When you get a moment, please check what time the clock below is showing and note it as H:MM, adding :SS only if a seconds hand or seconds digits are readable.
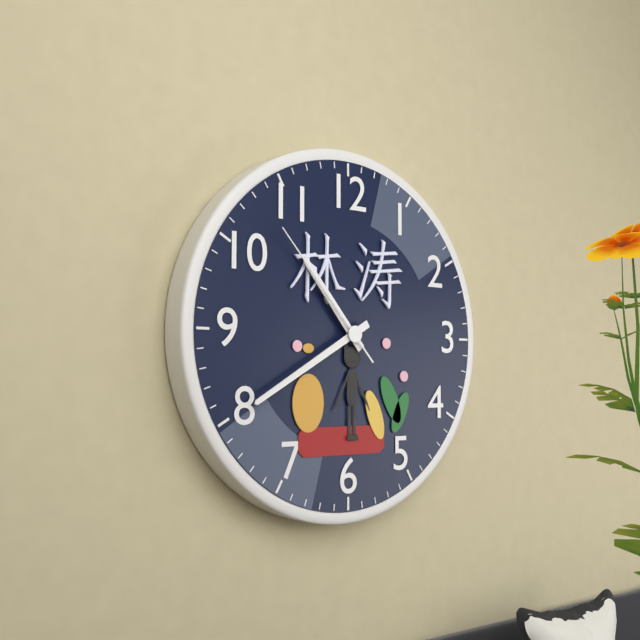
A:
10:40:53
